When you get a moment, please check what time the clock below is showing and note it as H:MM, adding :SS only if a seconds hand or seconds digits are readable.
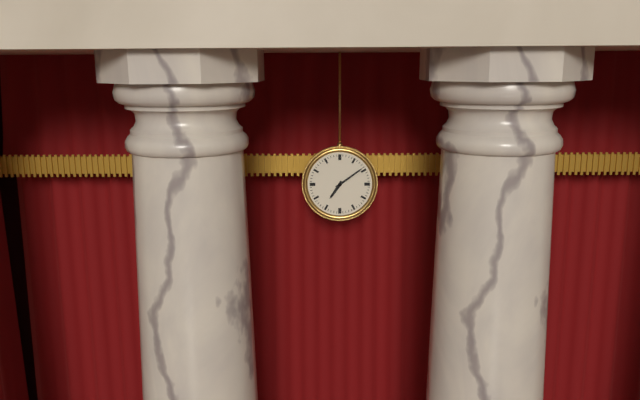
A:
7:09
